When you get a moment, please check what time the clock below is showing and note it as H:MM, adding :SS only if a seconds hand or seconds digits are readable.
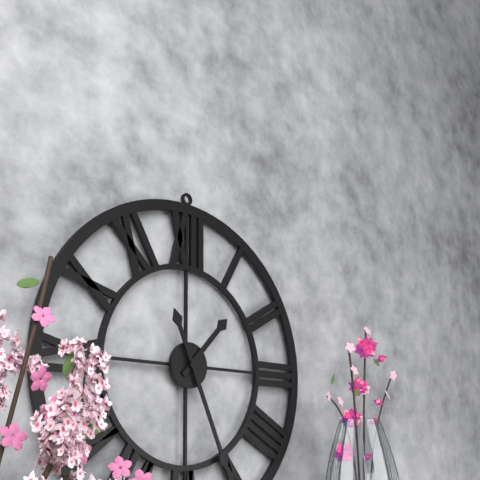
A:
1:26
